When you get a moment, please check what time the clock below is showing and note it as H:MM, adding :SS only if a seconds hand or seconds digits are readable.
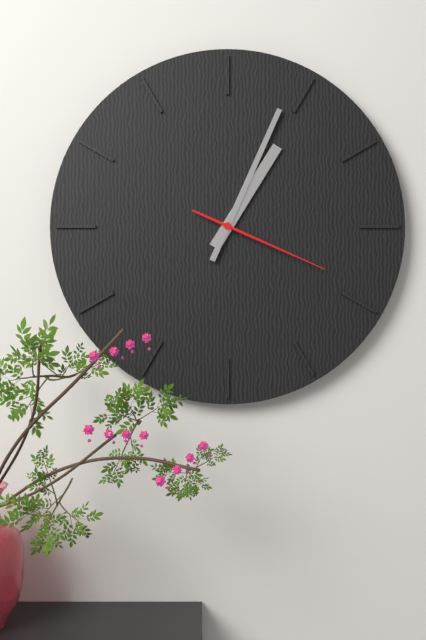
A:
1:04:19
